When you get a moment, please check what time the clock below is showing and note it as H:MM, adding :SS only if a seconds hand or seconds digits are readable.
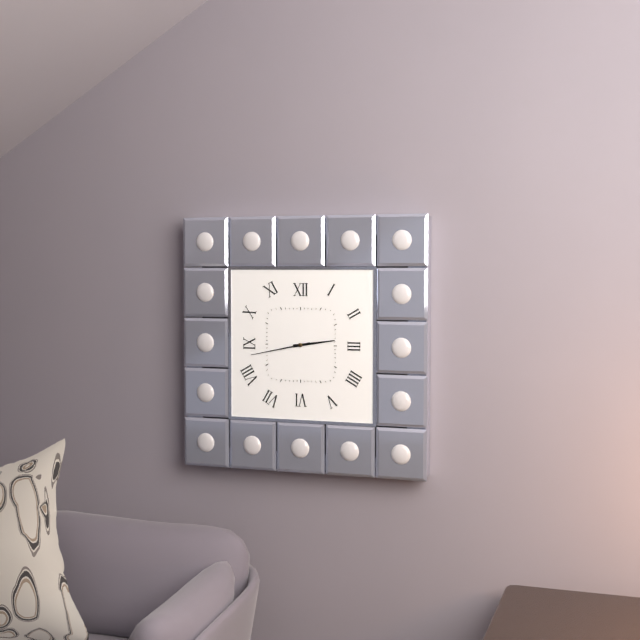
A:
2:43
